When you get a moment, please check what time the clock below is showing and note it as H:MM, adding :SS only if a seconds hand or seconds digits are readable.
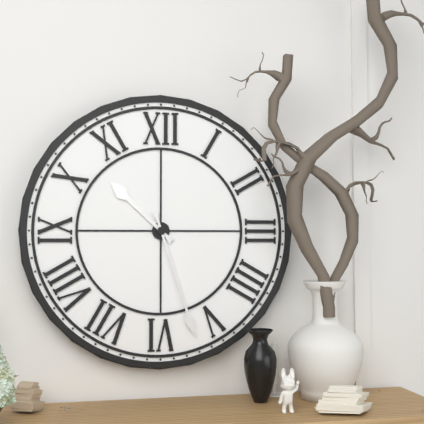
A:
10:27
